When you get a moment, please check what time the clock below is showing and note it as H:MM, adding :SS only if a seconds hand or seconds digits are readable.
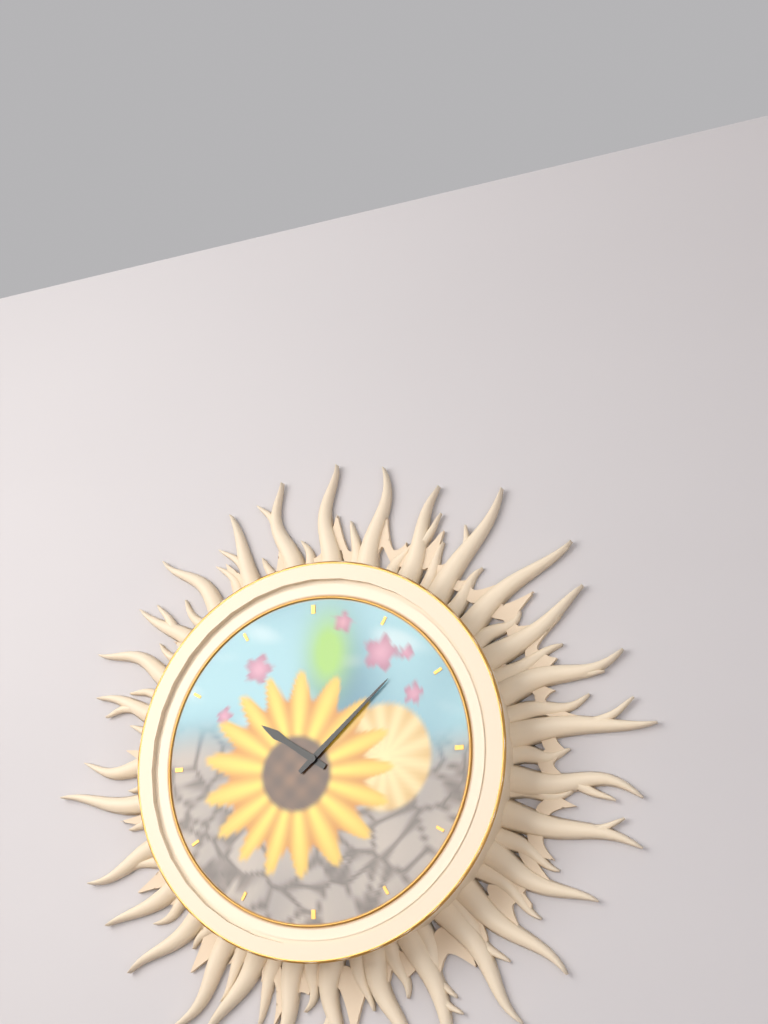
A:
10:08
